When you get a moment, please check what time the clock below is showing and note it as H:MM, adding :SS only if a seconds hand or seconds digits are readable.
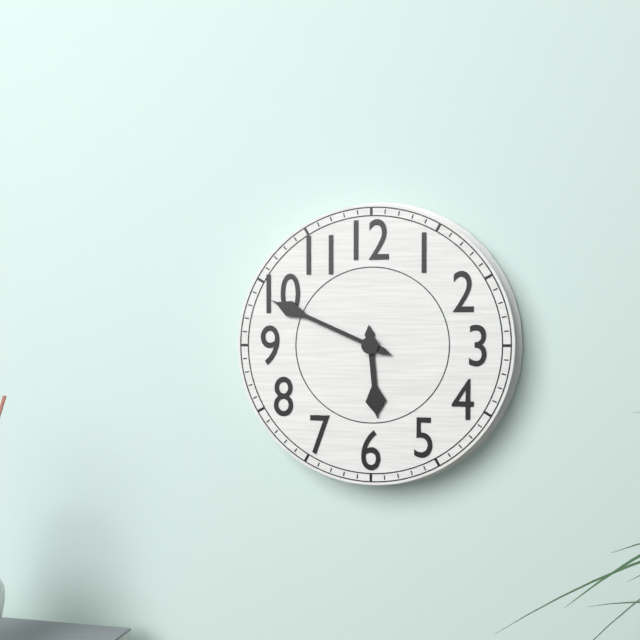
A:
5:49
